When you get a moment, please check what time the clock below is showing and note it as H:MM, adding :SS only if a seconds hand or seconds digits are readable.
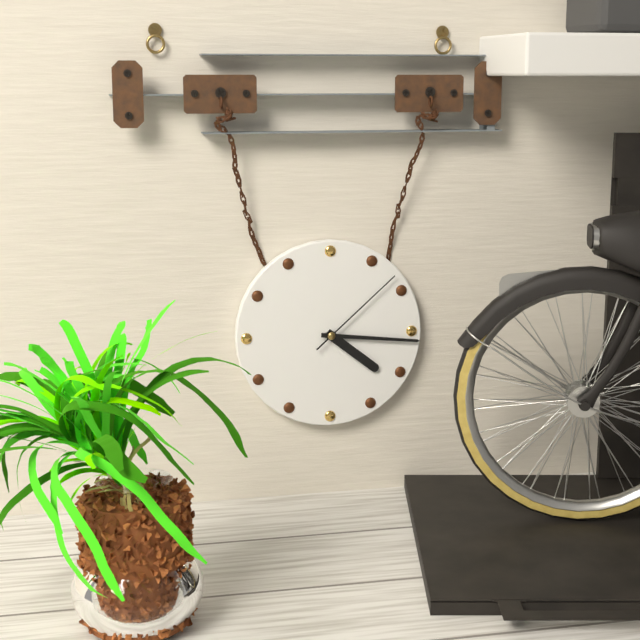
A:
4:16:08
